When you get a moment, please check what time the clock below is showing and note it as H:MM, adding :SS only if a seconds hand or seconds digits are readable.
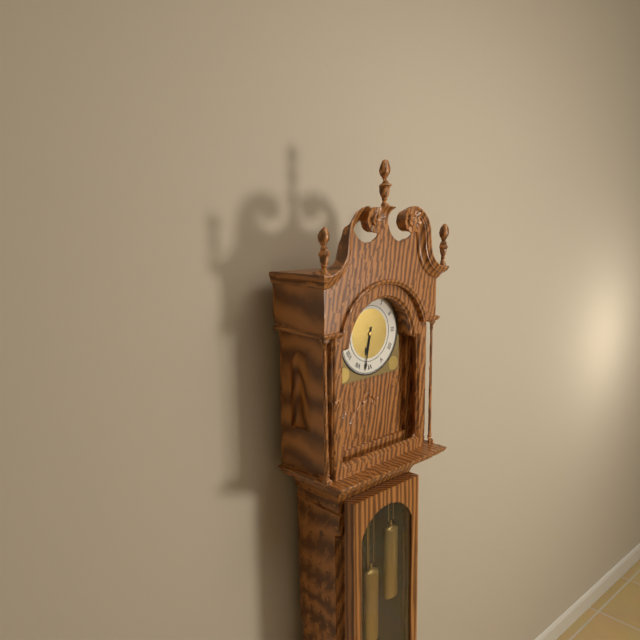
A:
6:32
